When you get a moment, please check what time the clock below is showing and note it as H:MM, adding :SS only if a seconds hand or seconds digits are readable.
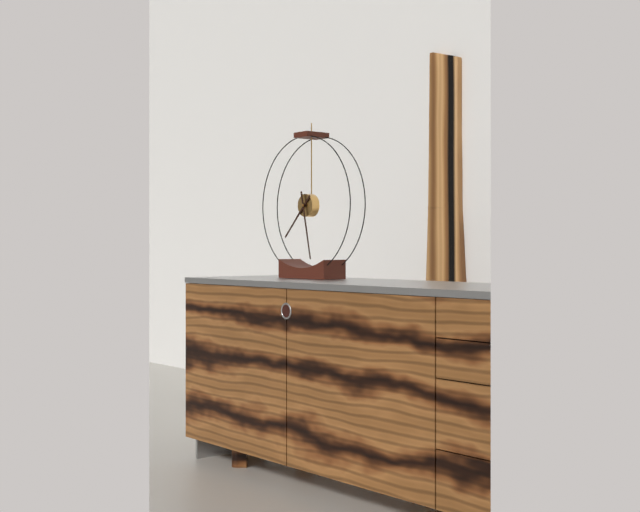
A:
7:28
